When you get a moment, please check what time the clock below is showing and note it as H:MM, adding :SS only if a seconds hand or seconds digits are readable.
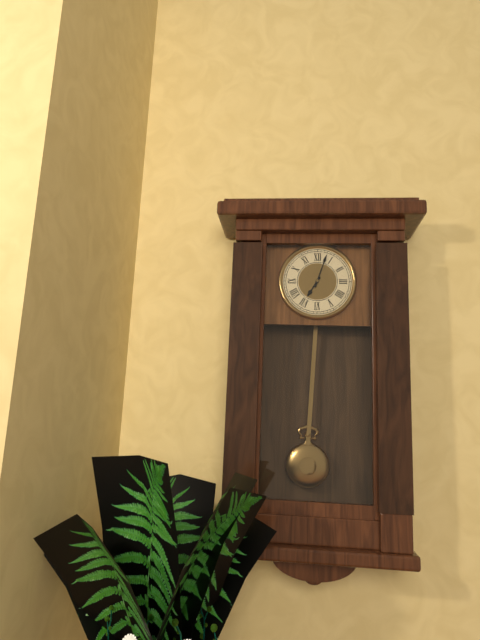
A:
7:03
